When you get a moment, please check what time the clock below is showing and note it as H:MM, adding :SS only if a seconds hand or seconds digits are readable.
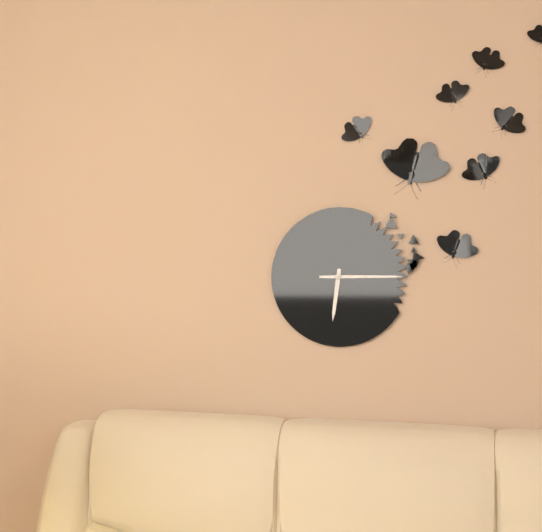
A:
6:15
